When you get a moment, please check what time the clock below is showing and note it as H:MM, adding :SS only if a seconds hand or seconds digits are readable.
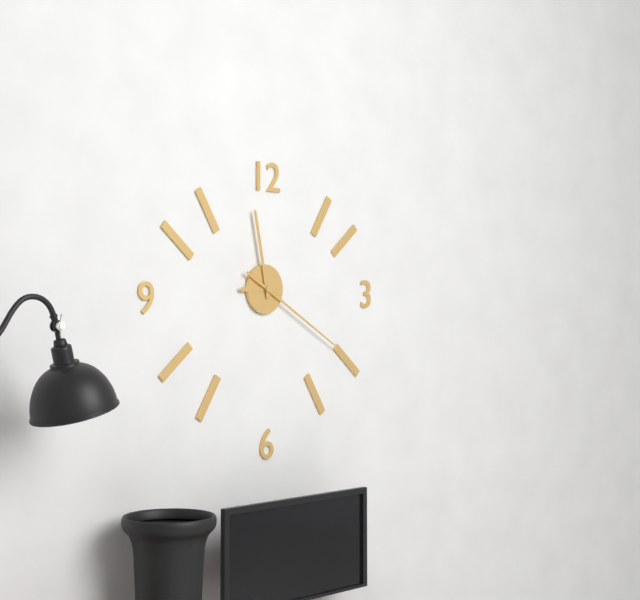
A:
8:58:20
